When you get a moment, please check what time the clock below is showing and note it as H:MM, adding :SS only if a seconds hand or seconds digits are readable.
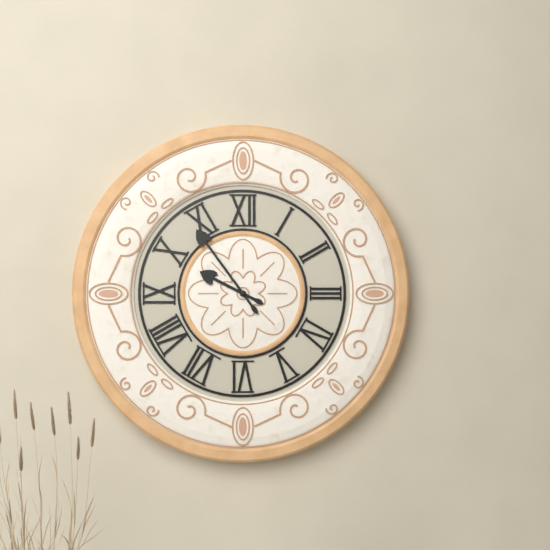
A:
9:54
